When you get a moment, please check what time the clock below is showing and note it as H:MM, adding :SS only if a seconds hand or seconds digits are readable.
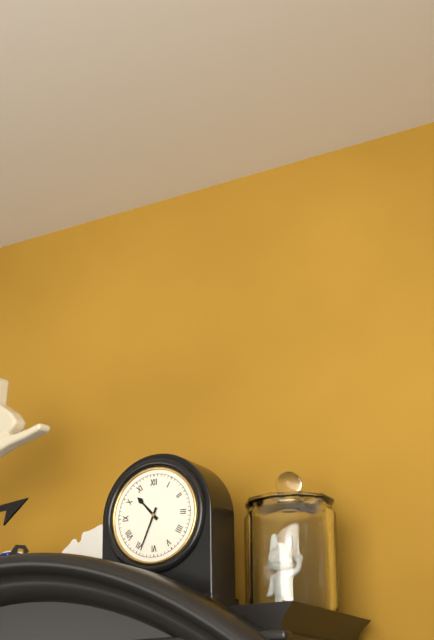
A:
10:34
